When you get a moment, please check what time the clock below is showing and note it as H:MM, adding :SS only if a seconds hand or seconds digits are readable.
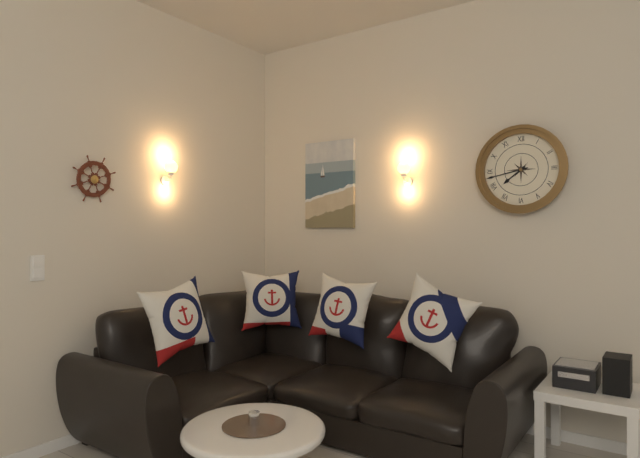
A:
7:43
